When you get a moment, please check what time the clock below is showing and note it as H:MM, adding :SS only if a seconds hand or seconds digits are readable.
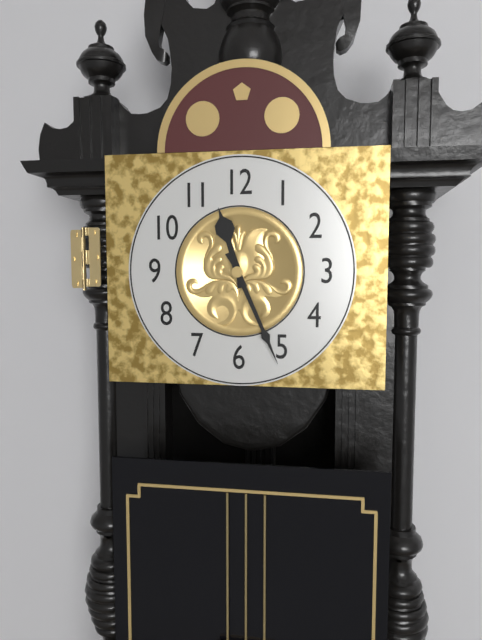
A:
11:26
